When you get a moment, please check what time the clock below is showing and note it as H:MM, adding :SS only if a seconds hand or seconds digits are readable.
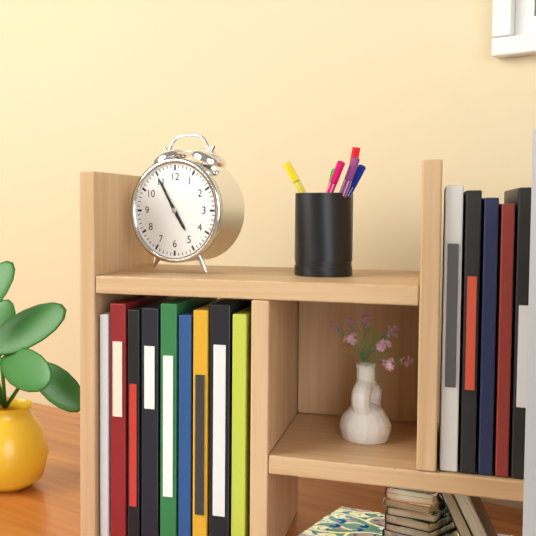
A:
4:55
